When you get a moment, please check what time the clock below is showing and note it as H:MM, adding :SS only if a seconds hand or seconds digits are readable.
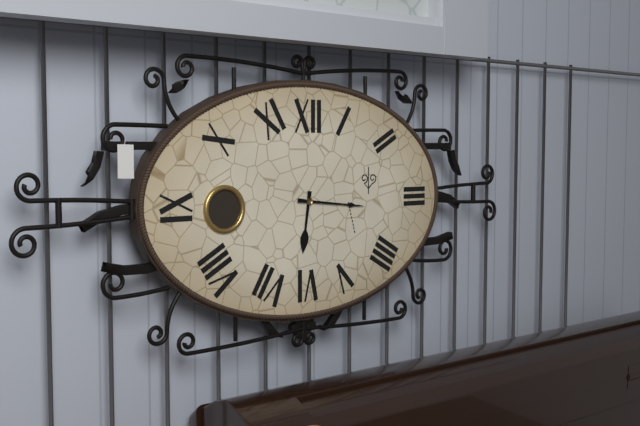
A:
6:16
